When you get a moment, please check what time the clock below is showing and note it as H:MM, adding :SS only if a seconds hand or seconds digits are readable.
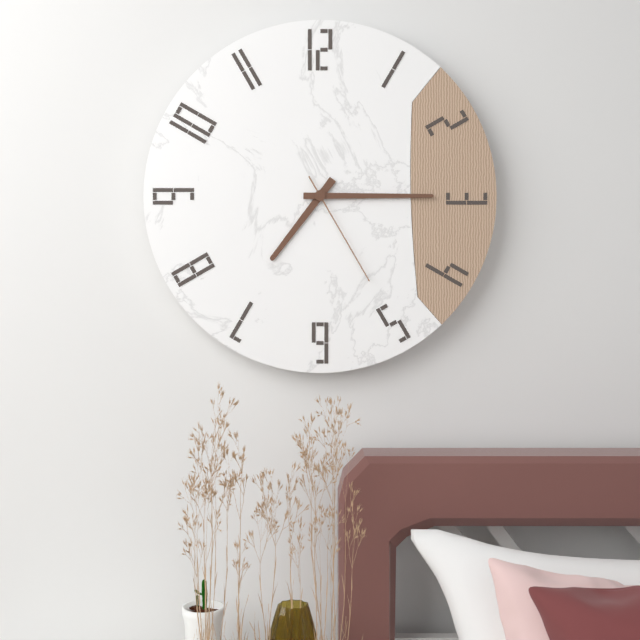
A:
7:15:25
